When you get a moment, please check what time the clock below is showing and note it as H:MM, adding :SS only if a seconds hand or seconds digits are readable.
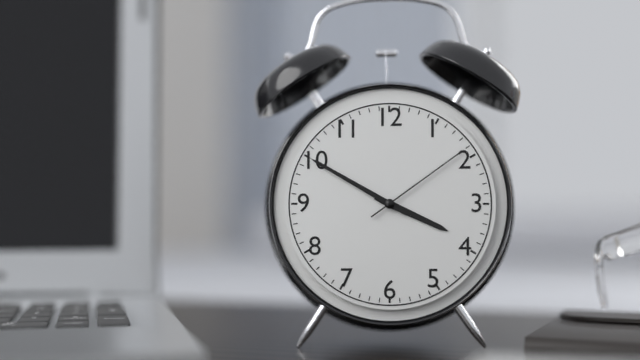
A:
3:50:09
